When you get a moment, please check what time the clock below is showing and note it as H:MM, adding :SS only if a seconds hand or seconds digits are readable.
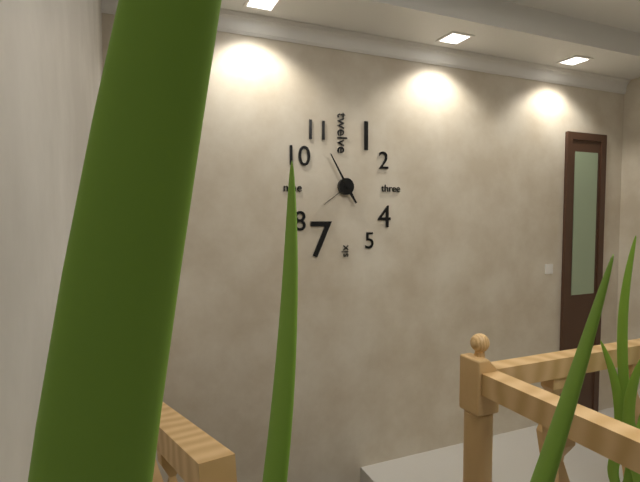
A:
4:55
